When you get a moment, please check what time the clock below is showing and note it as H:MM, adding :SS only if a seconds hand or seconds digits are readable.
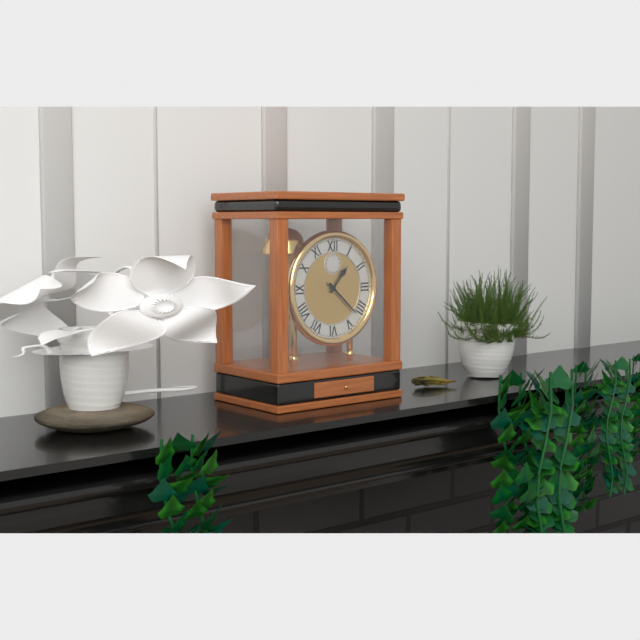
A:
1:22
